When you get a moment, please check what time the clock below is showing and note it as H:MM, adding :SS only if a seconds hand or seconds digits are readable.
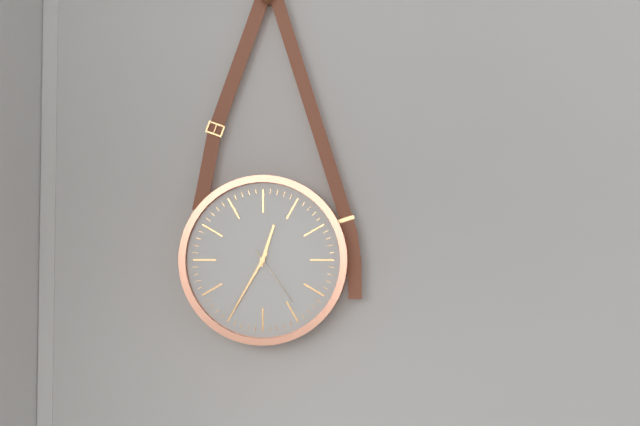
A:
12:35:24
